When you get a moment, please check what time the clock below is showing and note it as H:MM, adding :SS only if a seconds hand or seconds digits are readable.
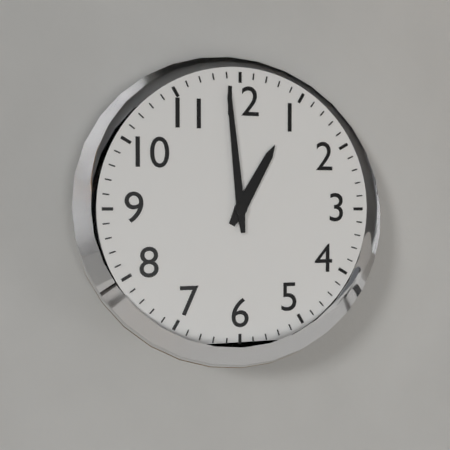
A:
12:59
